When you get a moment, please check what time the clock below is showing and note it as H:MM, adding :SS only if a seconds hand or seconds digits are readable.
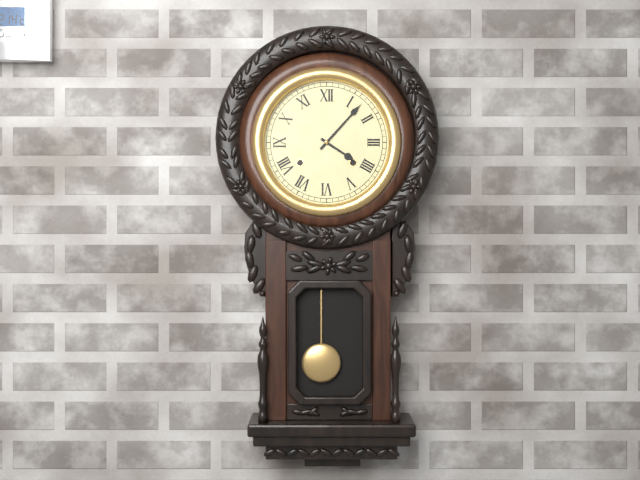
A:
4:07
